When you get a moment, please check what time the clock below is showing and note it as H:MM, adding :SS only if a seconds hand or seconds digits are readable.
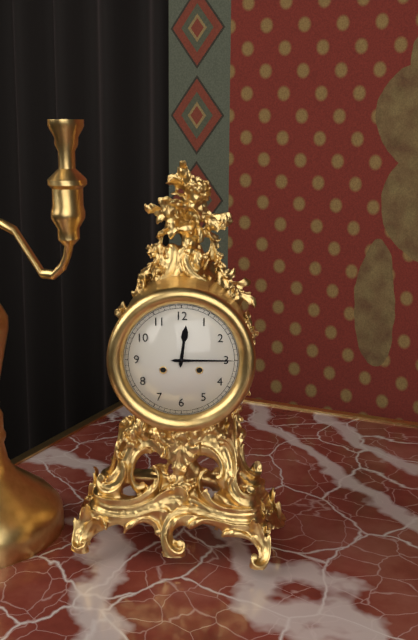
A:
12:15
